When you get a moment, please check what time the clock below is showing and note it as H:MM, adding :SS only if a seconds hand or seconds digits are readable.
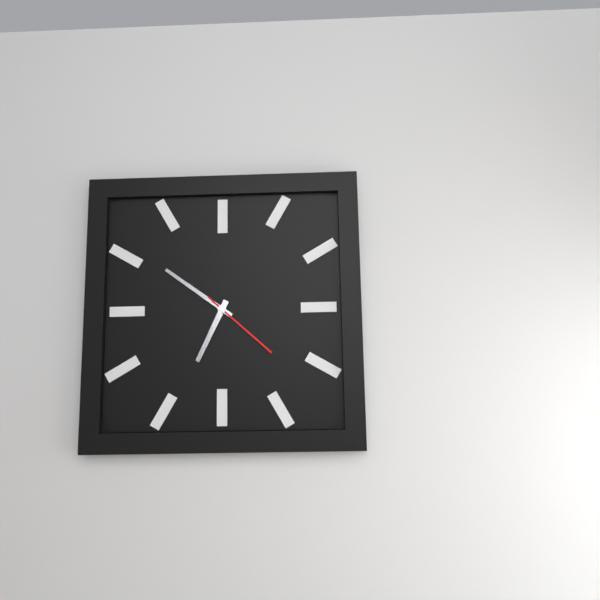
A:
6:51:22
